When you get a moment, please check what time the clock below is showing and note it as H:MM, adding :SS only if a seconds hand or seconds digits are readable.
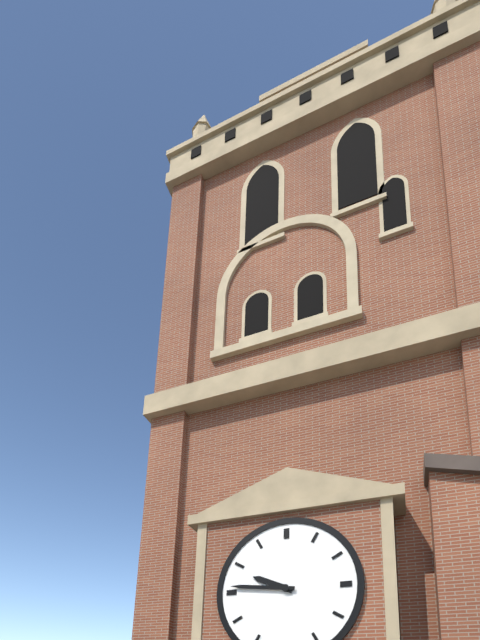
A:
9:46
